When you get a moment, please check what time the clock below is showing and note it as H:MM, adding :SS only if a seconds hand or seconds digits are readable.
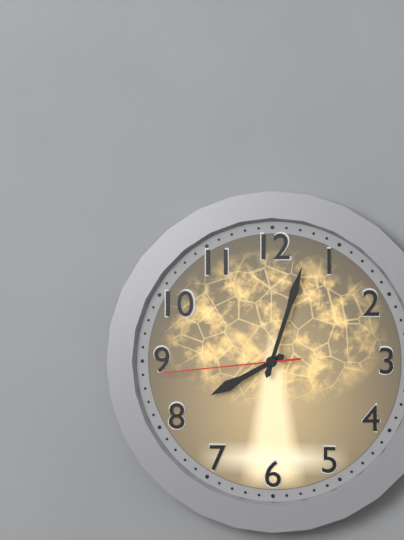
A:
8:03:44
